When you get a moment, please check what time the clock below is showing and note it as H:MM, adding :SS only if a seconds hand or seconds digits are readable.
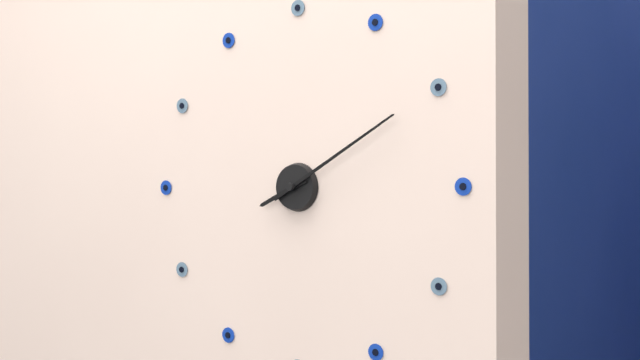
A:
8:10
